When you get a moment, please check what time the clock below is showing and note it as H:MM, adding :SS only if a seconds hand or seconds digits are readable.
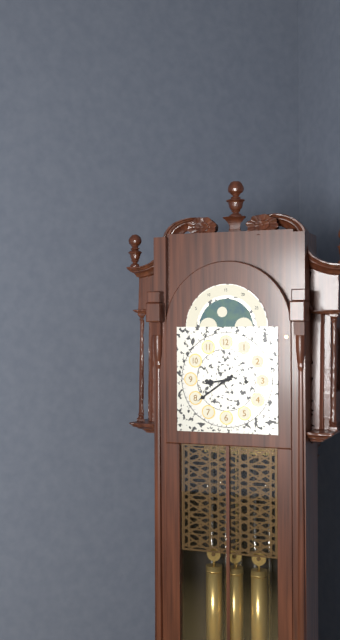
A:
8:39
